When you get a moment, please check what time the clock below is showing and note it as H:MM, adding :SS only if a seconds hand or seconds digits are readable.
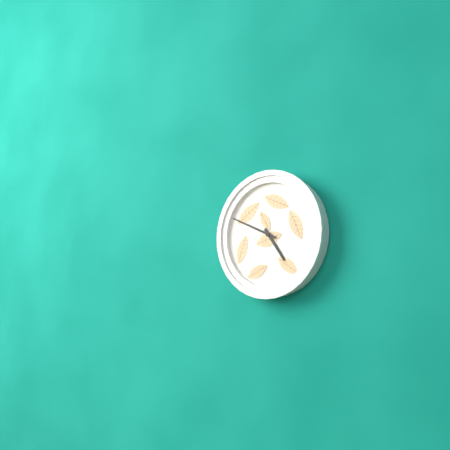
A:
4:49
